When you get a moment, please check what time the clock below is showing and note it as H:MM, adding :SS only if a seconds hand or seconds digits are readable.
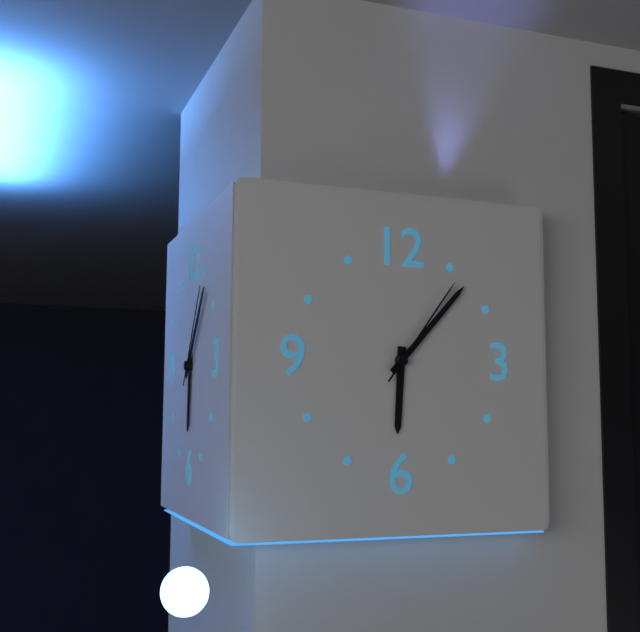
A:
6:07:06
